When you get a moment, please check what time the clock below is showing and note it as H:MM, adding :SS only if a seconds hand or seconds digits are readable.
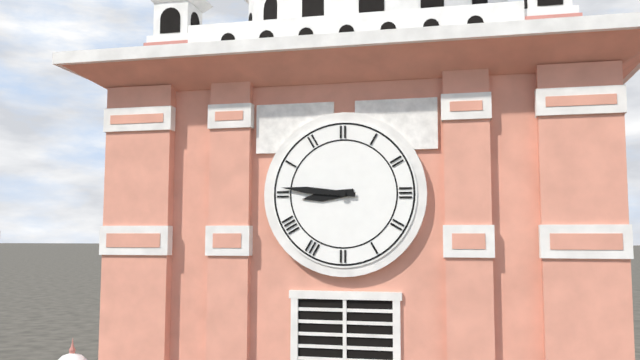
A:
8:46
